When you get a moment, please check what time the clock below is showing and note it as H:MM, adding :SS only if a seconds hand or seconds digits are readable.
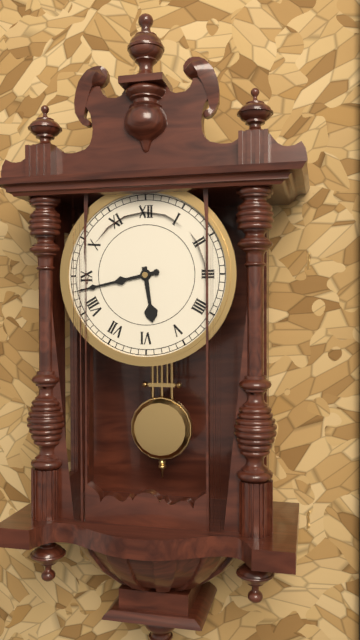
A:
5:43
